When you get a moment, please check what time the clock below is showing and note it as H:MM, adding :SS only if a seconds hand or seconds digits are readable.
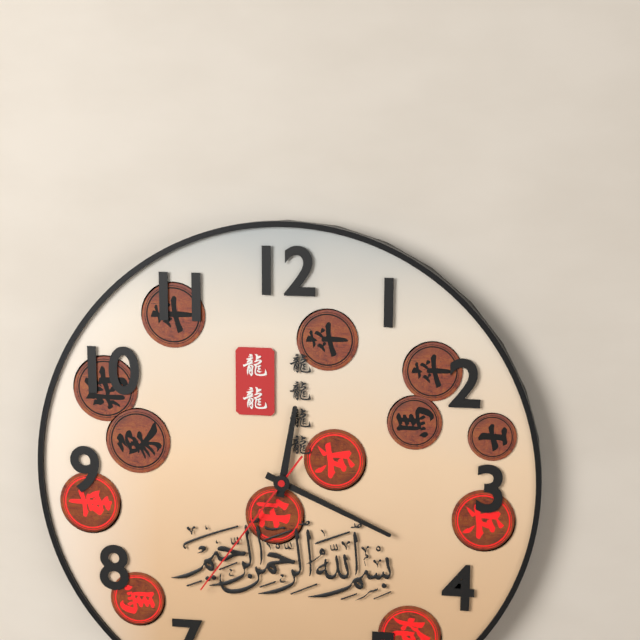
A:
12:19:36
